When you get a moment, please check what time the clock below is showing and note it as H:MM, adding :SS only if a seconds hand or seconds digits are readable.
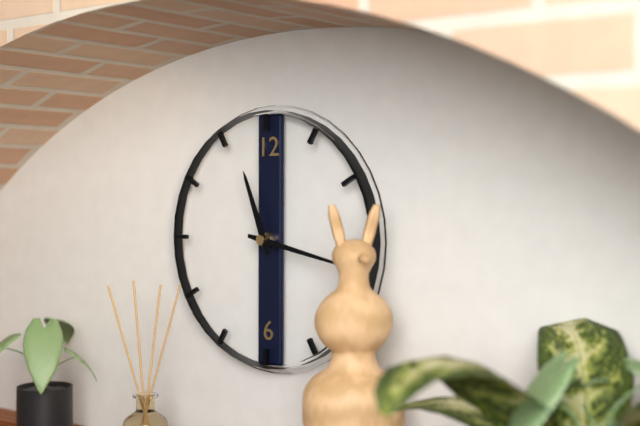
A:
11:17
